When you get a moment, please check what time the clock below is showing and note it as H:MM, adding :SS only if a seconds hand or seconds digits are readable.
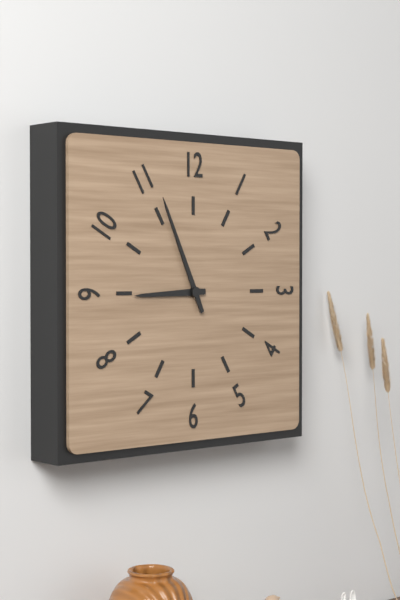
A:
8:56
